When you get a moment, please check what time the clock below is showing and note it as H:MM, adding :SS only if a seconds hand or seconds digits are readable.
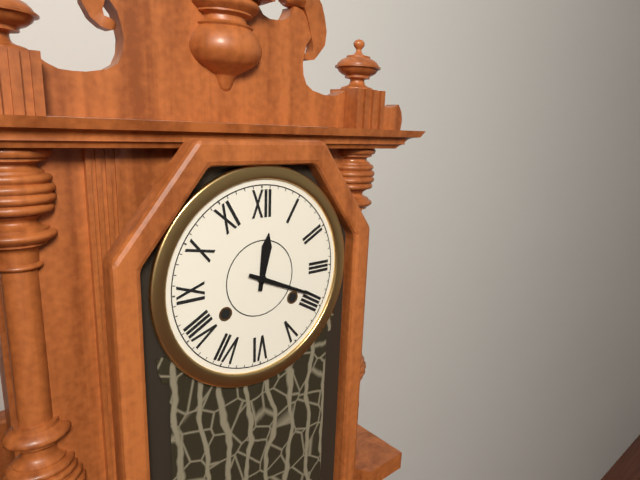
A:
12:19
